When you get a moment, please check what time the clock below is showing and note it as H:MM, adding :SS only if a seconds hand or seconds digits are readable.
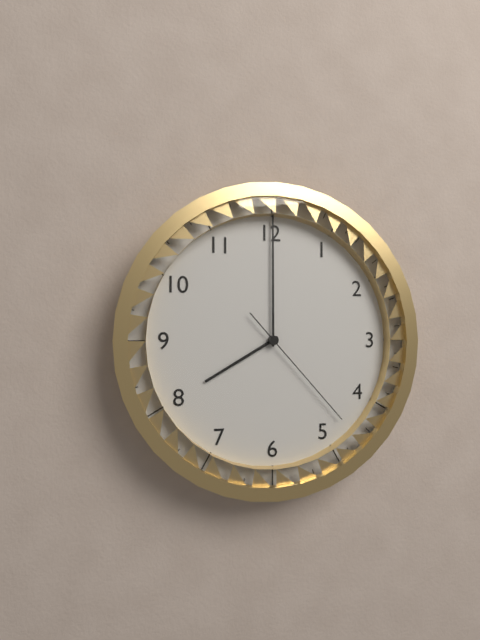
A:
8:00:23
